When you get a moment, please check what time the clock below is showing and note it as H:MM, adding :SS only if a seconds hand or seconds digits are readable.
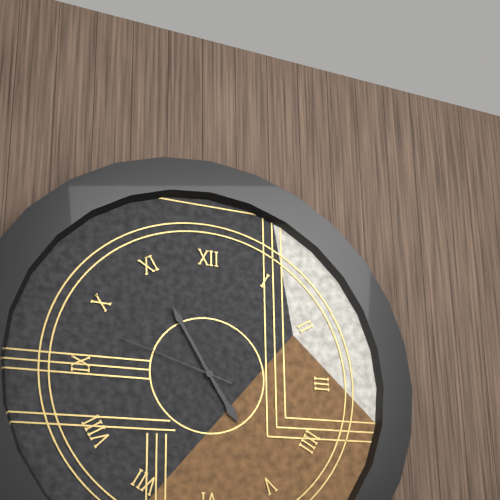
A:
4:55:48
